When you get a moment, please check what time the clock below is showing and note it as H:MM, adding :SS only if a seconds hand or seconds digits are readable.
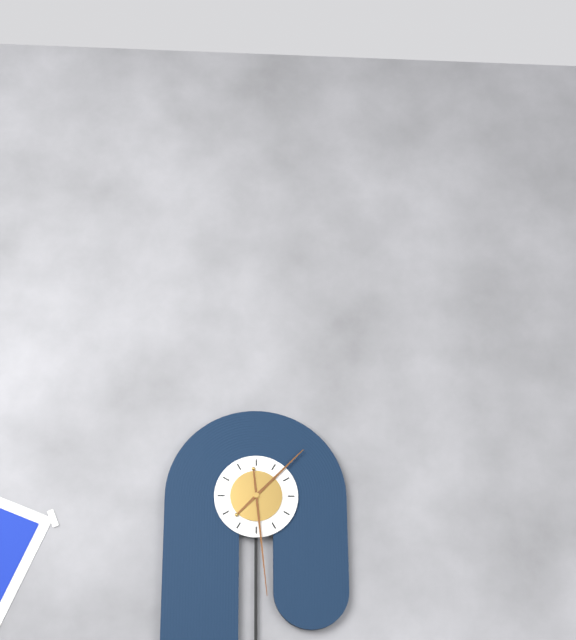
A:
1:29
